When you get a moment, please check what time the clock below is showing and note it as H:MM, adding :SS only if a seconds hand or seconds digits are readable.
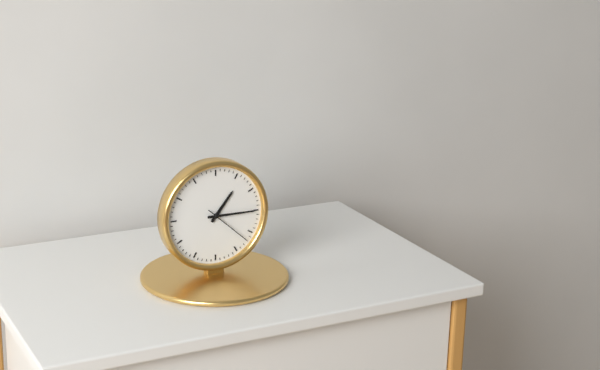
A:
1:15
